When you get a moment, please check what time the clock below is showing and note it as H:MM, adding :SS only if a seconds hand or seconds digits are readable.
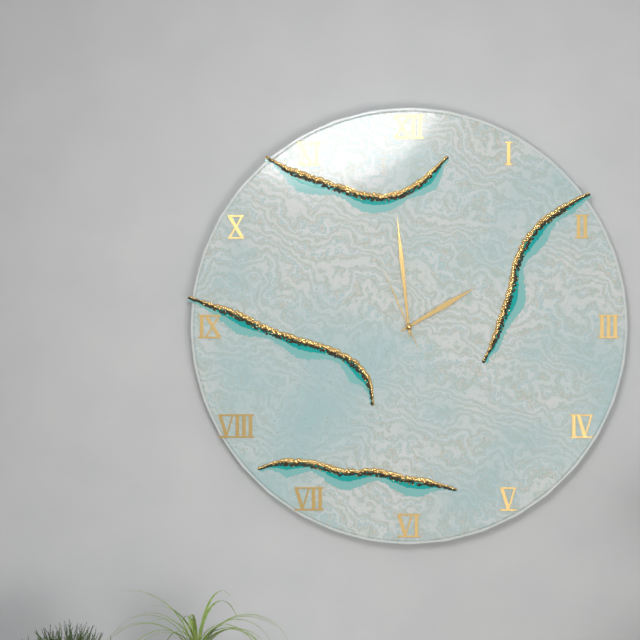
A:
1:59:56
